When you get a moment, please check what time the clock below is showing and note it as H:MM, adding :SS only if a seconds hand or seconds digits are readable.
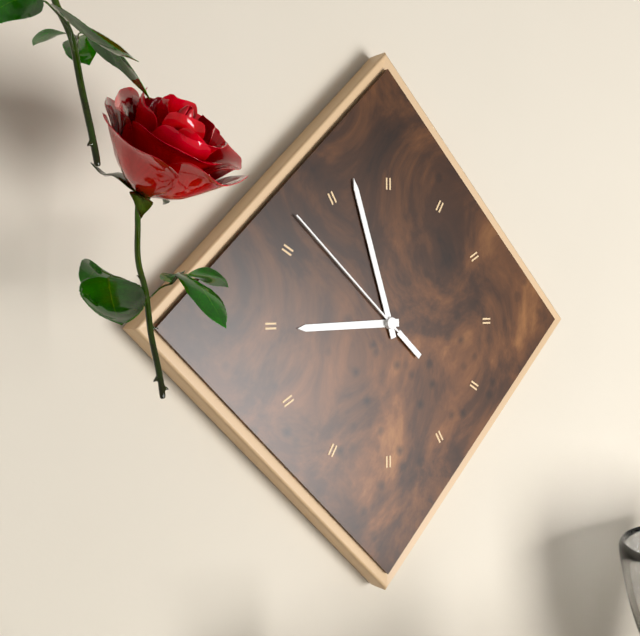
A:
8:57:52
